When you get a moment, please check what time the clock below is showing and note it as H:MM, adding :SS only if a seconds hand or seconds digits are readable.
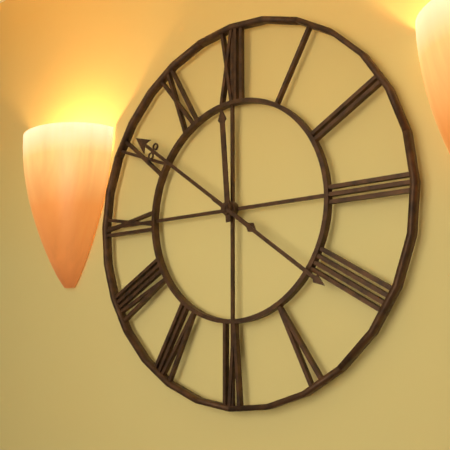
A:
11:51:21
